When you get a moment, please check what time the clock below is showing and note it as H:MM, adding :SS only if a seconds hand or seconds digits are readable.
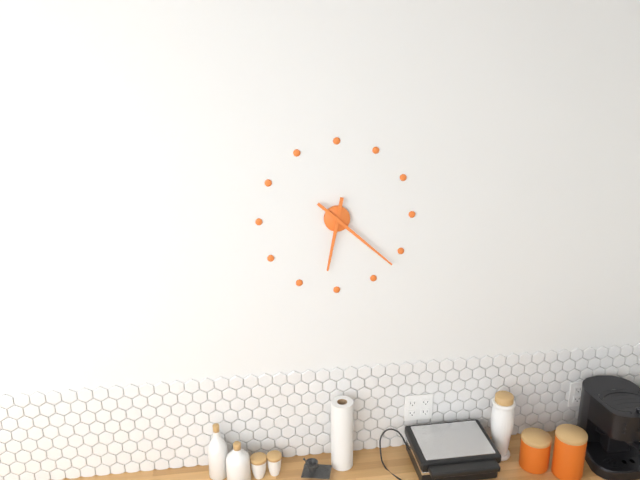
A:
6:22
